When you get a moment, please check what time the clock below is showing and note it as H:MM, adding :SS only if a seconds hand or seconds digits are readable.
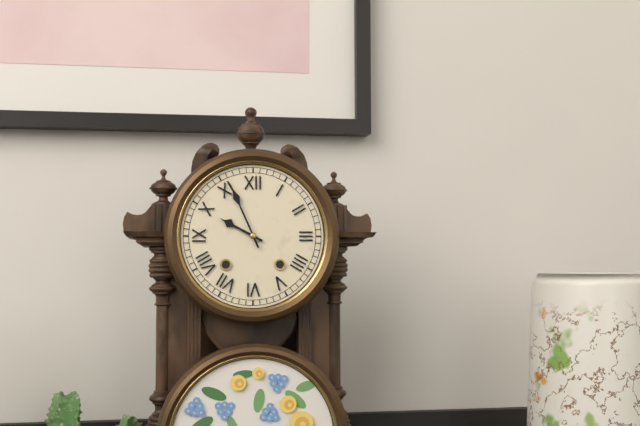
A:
9:56
